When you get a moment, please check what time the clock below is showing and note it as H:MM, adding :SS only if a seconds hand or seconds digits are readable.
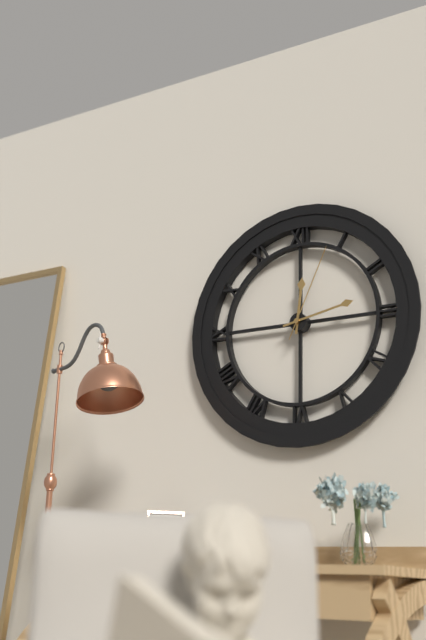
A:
12:13:04
